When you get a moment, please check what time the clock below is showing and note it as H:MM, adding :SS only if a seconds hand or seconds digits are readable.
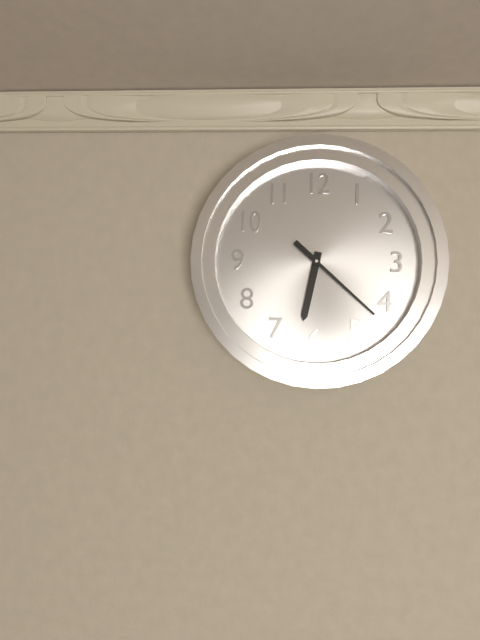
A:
6:22
